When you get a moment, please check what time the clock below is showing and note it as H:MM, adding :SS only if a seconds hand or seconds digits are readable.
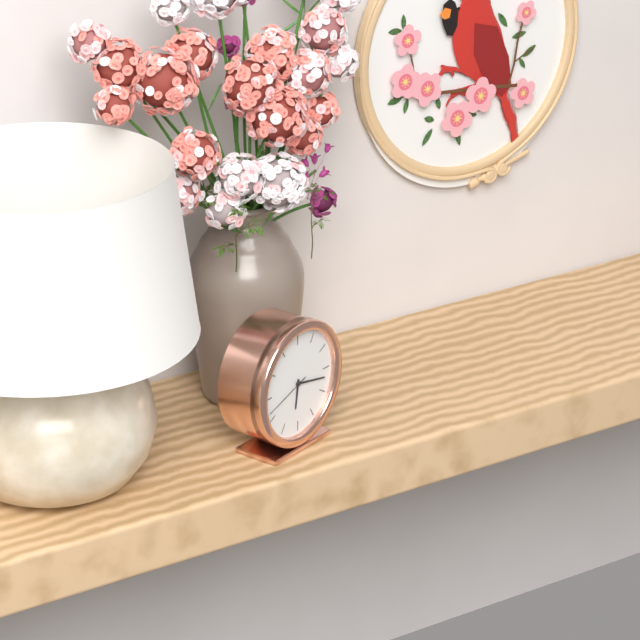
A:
6:17:42
